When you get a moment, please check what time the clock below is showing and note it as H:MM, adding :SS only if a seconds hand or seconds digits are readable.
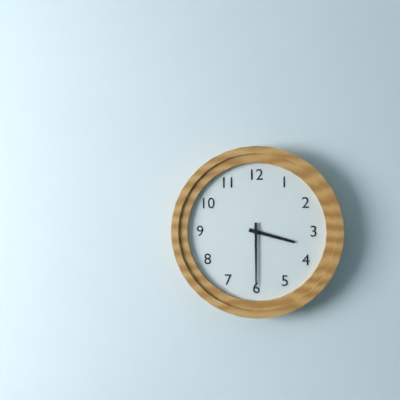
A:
3:30
